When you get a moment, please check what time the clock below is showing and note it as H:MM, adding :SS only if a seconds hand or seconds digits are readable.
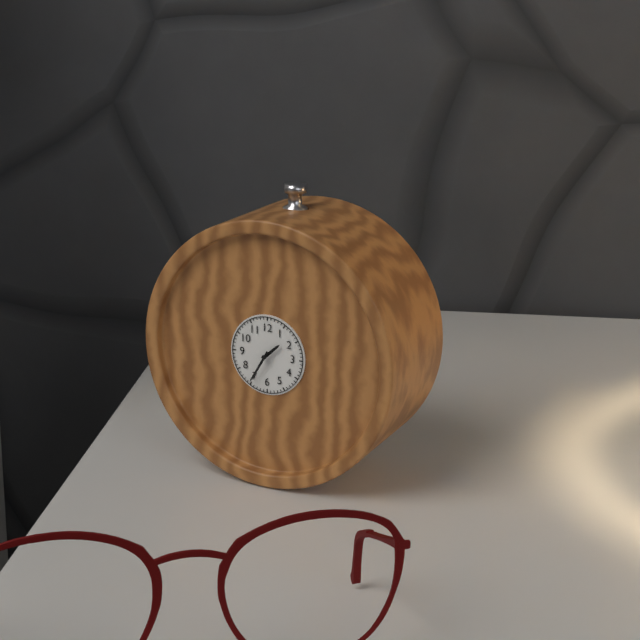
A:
1:35
